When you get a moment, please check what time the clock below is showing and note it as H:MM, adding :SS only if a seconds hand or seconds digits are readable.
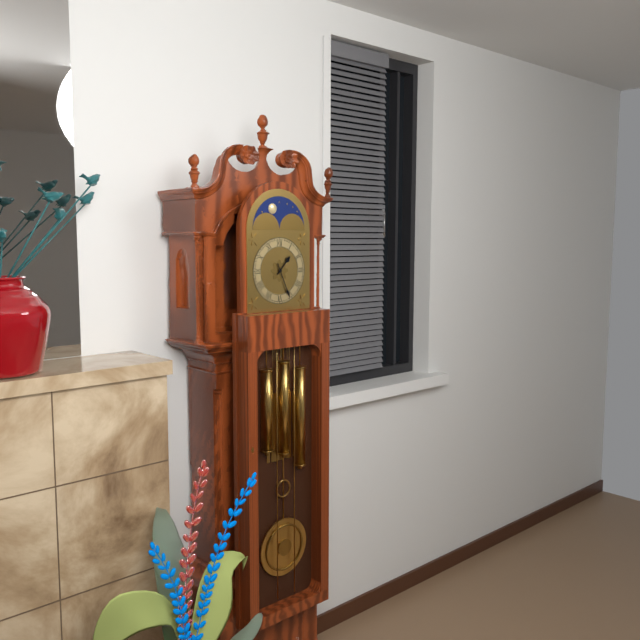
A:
1:26
